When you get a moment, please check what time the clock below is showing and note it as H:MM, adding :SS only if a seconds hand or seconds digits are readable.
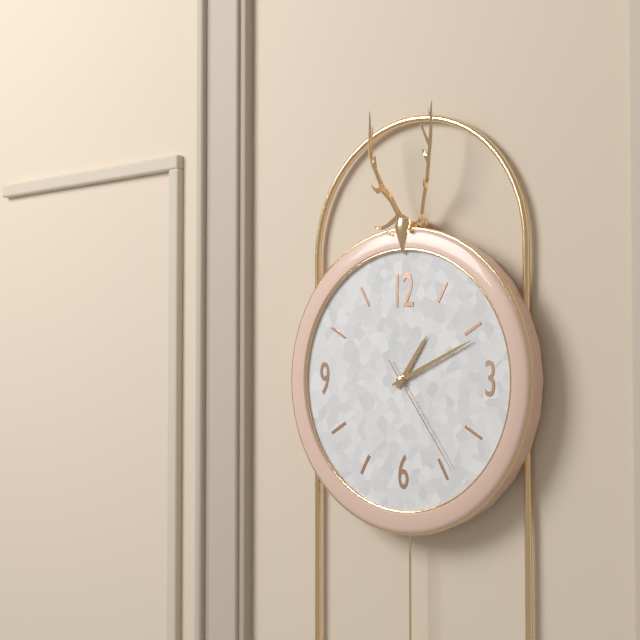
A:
1:11:24
